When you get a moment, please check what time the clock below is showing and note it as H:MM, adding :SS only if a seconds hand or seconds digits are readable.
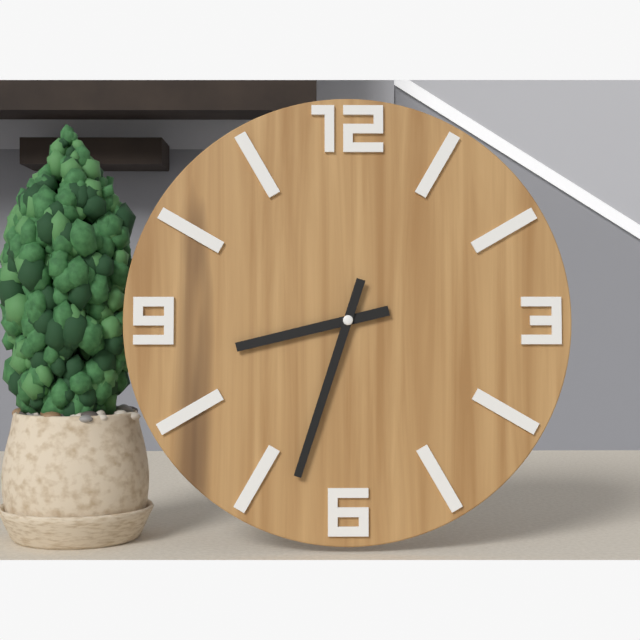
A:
8:33
